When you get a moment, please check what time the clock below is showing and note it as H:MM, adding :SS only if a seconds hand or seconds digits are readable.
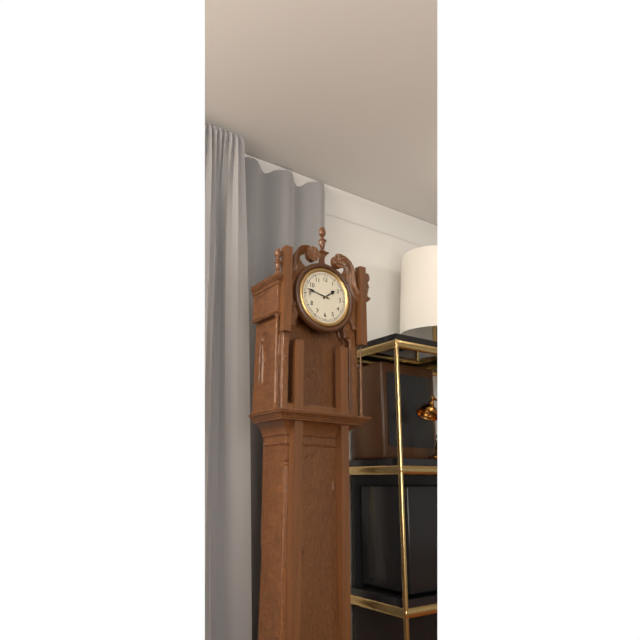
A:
1:47
